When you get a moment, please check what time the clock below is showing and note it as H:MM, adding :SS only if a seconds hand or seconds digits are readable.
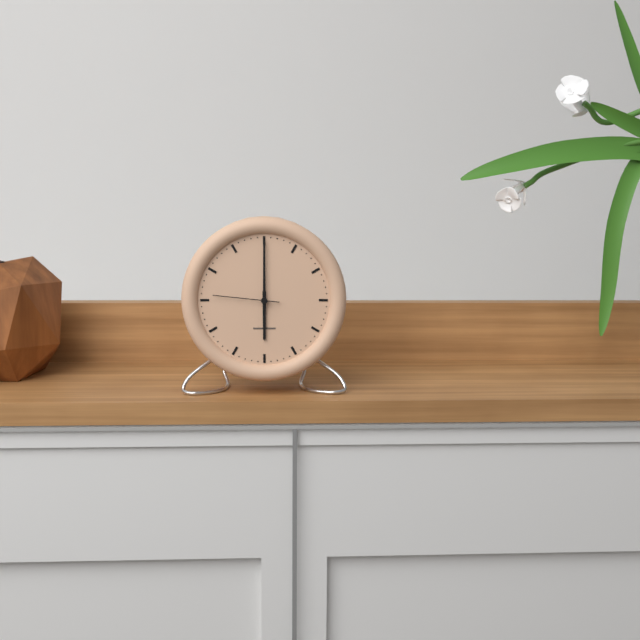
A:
6:00:46
